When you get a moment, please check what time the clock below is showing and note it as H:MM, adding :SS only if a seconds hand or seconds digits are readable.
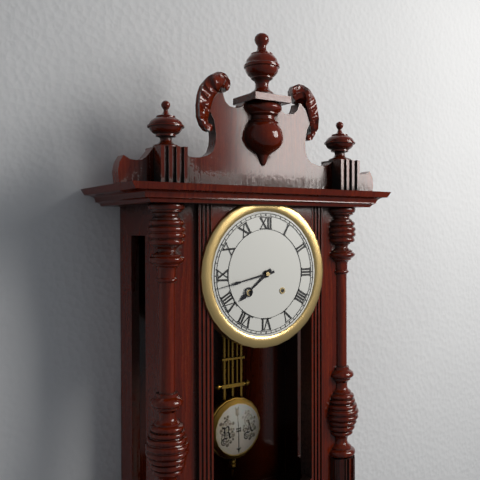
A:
7:43
